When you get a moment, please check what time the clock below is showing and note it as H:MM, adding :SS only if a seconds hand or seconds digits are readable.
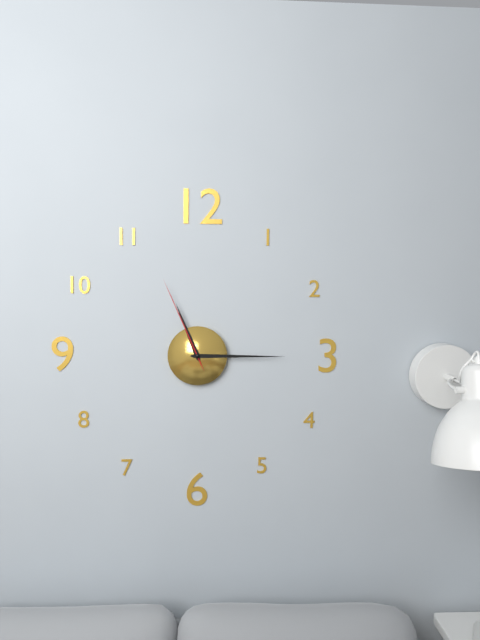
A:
11:15:56
